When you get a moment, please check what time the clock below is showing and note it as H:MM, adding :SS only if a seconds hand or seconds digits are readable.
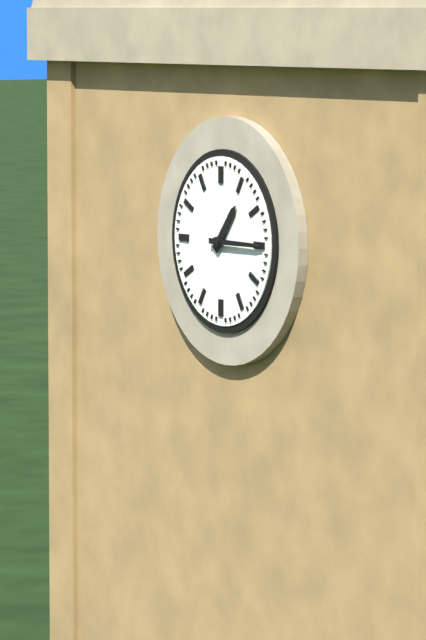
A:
1:15
